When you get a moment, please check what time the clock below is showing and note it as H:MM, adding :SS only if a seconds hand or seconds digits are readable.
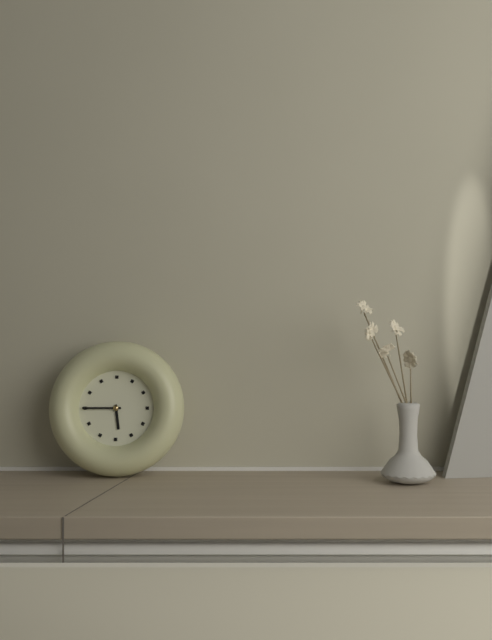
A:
5:45
